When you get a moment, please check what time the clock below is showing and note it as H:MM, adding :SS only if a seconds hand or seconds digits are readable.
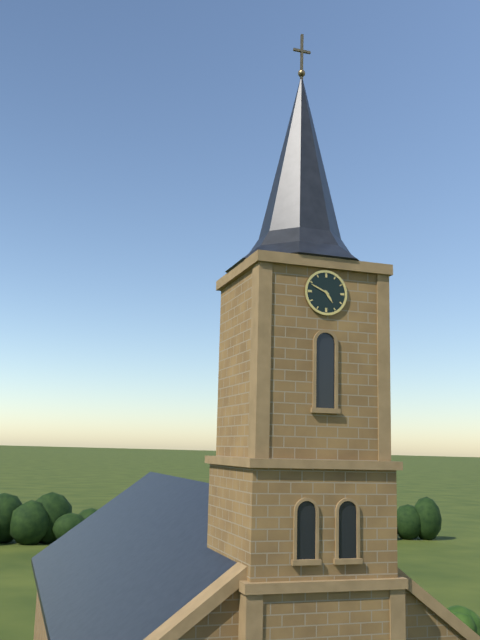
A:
4:49
